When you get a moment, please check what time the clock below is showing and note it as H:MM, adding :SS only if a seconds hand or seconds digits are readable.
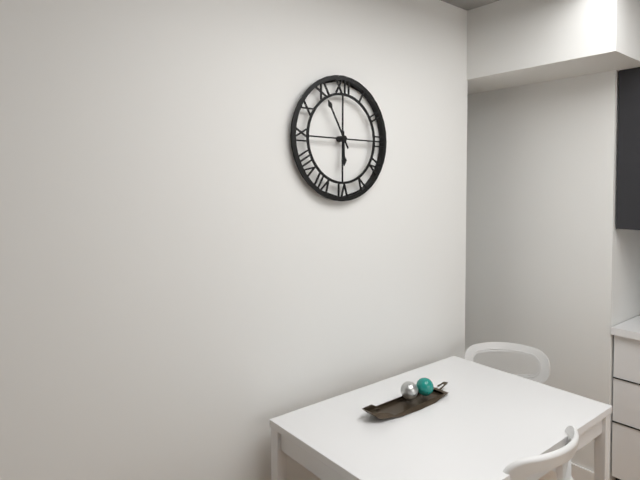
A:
5:55
